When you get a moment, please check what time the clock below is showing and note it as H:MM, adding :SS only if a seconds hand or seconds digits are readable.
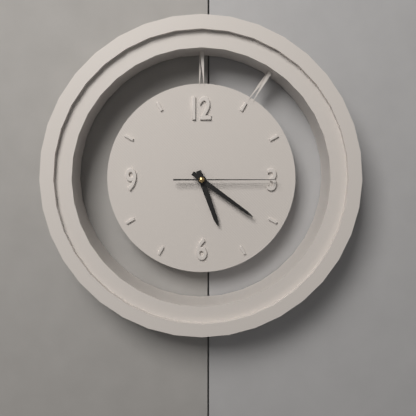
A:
5:21:15
